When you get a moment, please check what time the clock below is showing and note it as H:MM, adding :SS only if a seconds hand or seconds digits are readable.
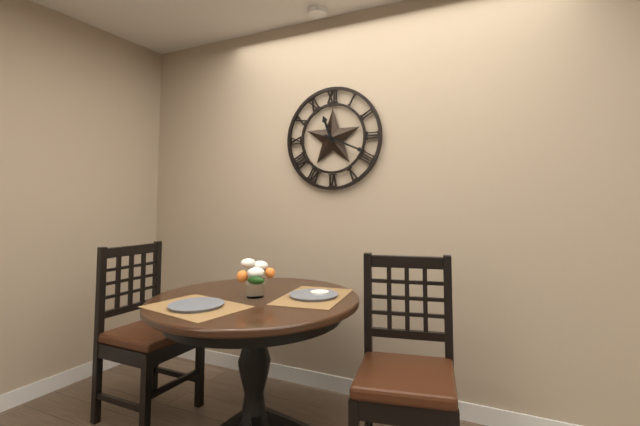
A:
11:19
